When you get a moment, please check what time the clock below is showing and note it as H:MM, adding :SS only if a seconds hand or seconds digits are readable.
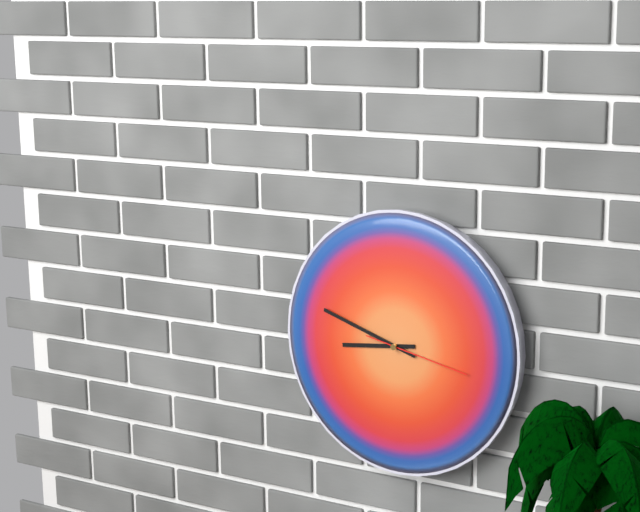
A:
8:48:17
